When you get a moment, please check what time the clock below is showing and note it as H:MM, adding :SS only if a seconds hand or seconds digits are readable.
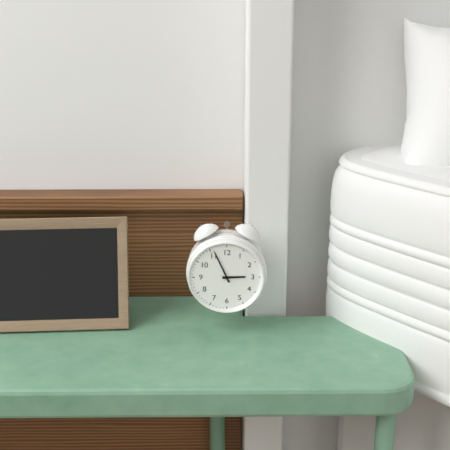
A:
2:56
